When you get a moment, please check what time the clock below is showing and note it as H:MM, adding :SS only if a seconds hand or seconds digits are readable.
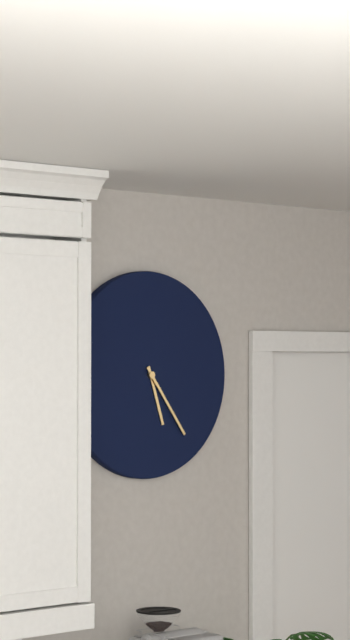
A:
5:24
